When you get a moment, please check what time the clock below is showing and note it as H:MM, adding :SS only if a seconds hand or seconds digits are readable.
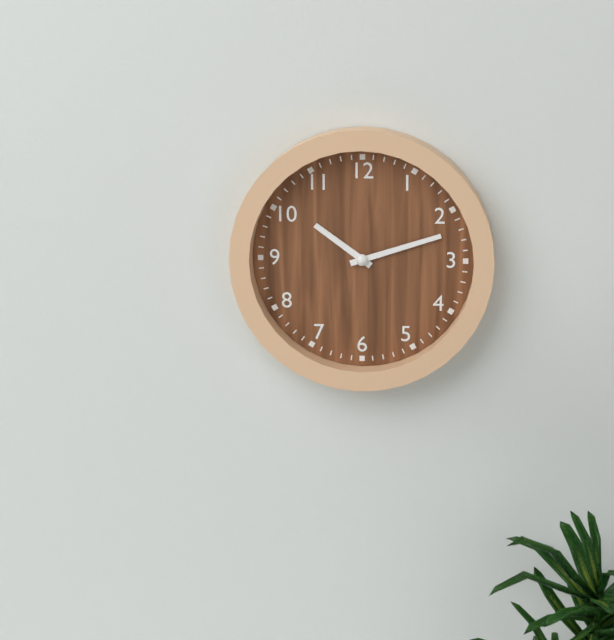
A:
10:12
